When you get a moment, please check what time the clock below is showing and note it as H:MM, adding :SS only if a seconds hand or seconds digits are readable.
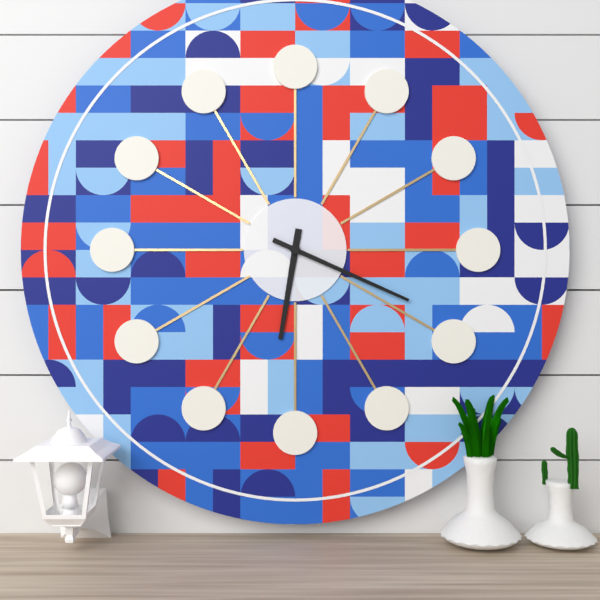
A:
6:19
